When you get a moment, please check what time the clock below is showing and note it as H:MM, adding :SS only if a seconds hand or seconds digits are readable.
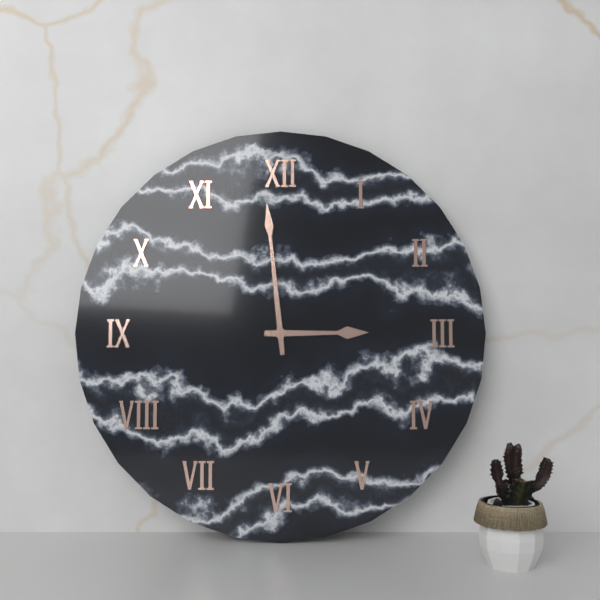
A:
2:59
